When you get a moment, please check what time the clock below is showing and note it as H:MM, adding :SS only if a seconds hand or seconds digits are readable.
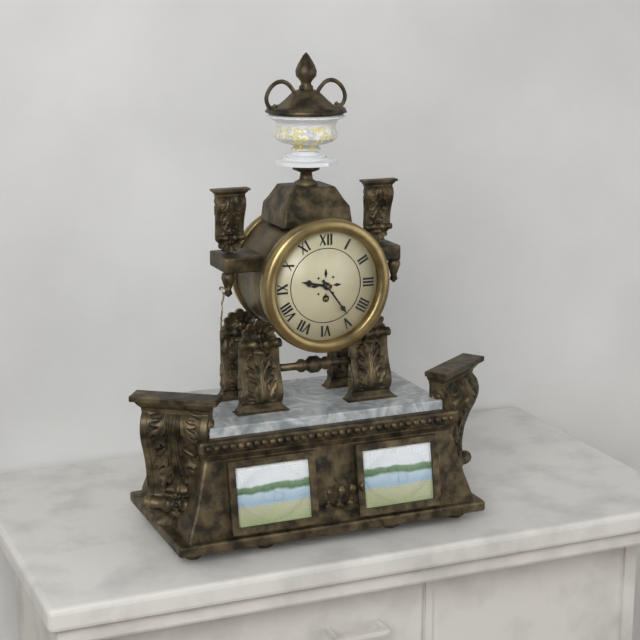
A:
9:24
